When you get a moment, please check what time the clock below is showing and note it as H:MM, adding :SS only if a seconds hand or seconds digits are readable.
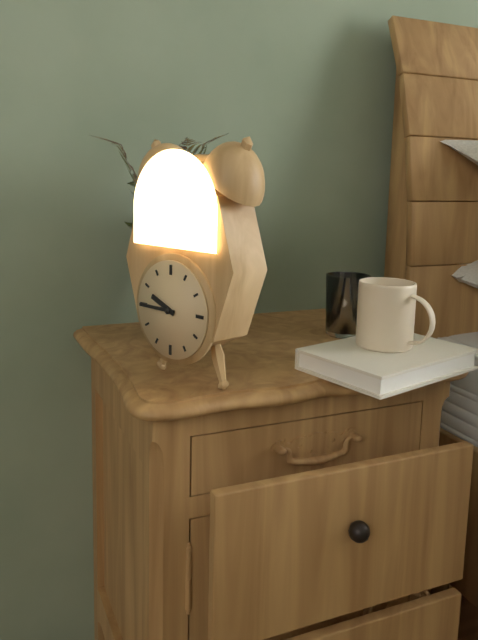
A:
9:45
